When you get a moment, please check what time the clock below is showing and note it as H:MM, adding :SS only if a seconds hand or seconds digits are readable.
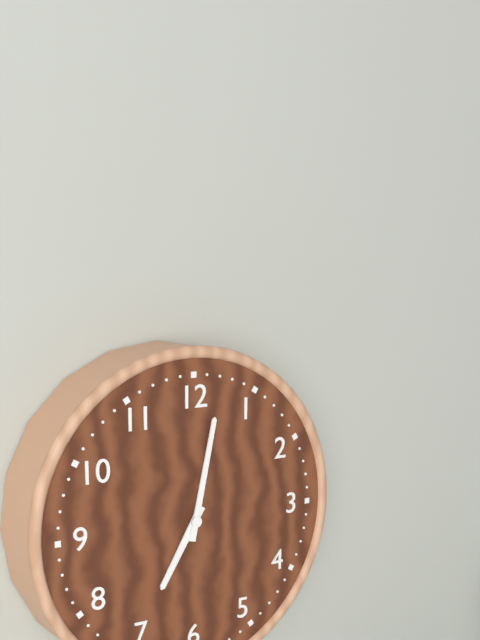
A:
7:02
